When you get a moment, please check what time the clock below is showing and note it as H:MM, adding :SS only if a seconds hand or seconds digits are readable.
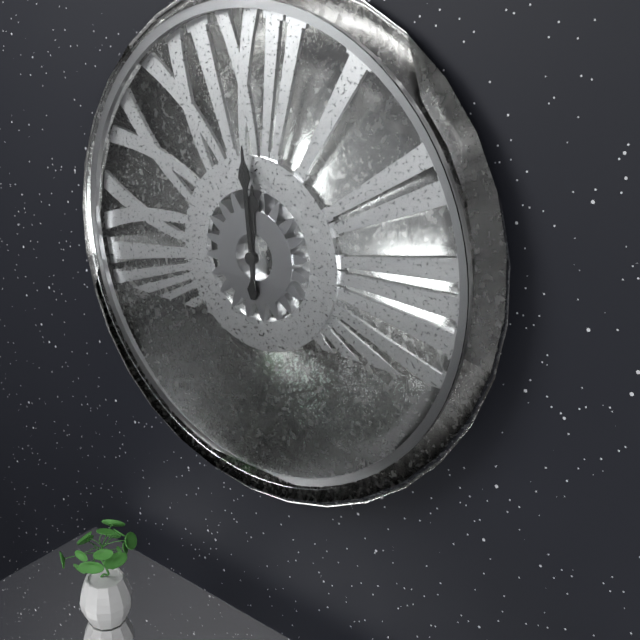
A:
11:59
